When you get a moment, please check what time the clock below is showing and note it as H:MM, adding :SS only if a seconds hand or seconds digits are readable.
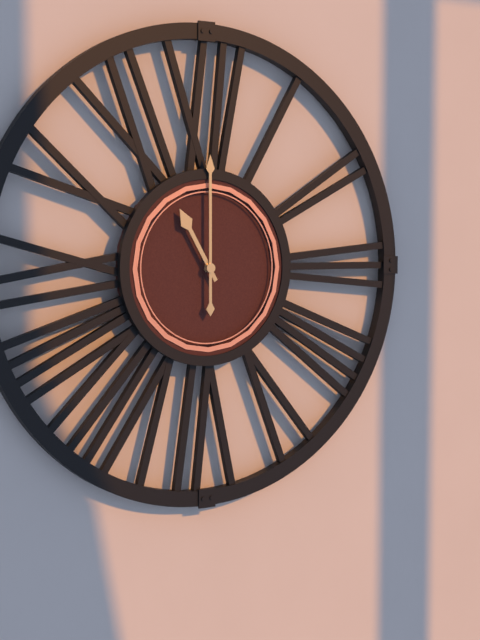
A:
11:00
